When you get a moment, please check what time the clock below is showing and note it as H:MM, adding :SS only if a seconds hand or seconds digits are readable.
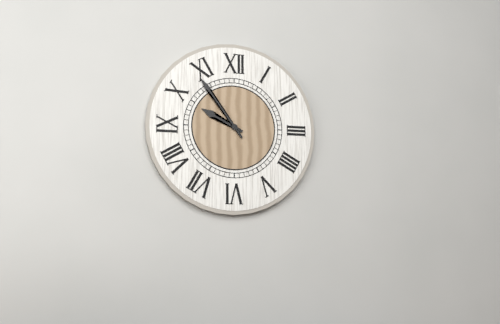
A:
9:54
